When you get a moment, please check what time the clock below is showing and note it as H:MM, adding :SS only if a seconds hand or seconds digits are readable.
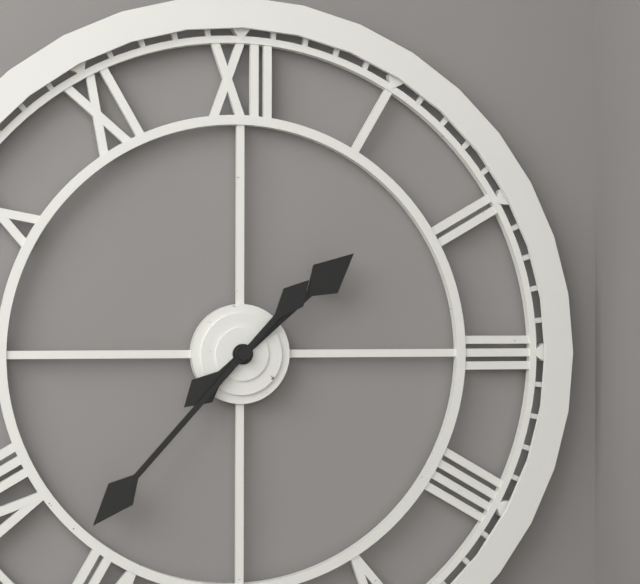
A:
1:37
